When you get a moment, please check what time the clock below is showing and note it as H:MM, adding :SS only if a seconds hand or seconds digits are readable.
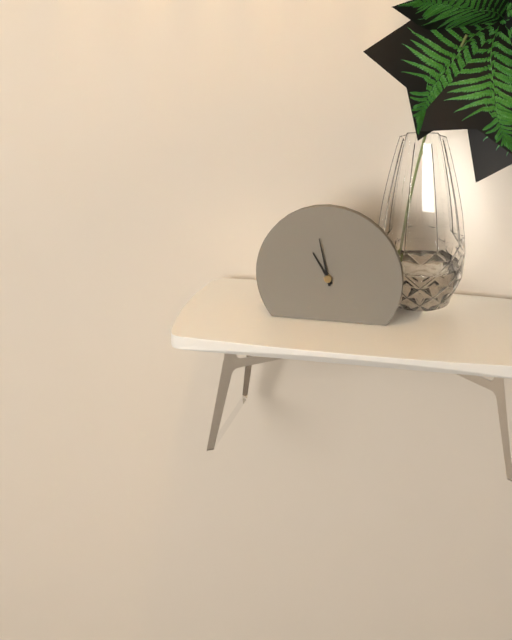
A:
10:58
